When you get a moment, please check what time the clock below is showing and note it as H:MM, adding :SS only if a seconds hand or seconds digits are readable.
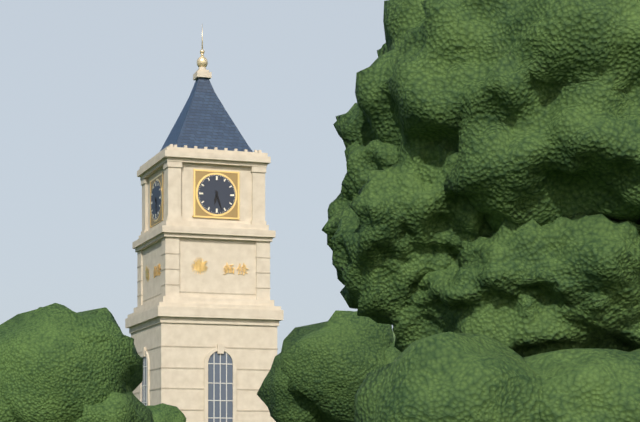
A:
6:27
